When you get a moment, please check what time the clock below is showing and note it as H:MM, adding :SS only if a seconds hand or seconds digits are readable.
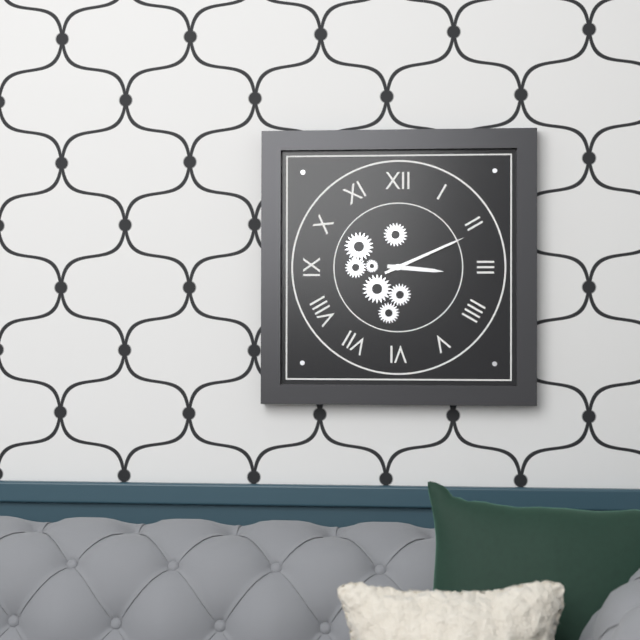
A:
3:11
